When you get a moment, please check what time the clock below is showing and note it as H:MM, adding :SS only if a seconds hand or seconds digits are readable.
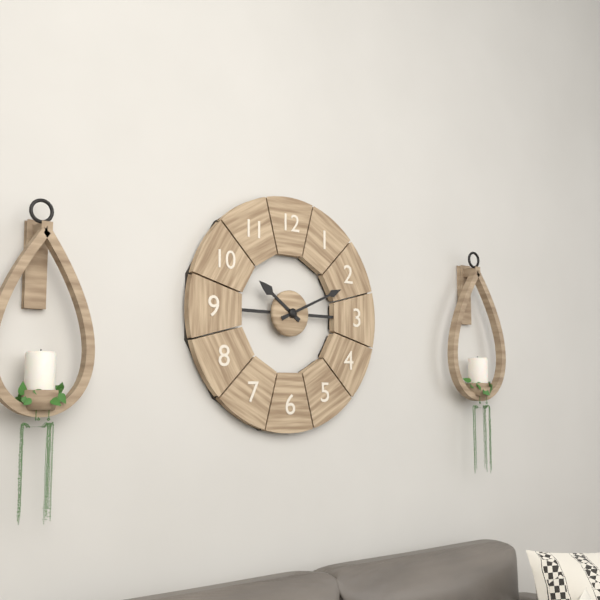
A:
10:11
